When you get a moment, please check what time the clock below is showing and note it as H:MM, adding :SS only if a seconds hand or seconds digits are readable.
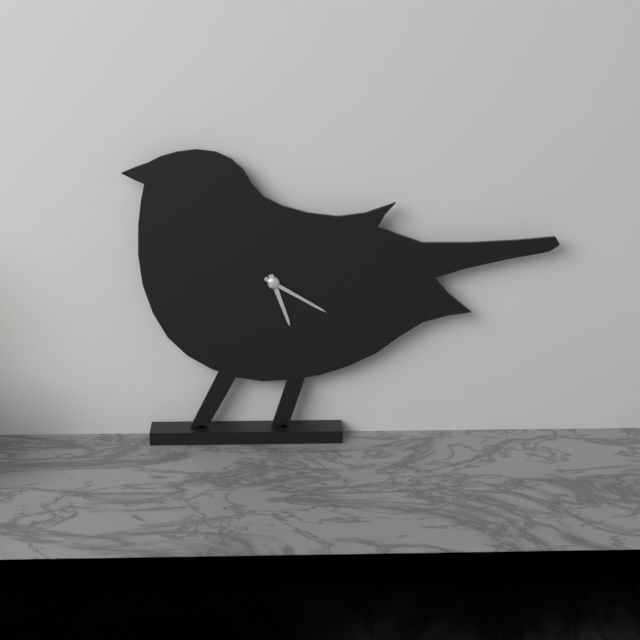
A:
5:20
